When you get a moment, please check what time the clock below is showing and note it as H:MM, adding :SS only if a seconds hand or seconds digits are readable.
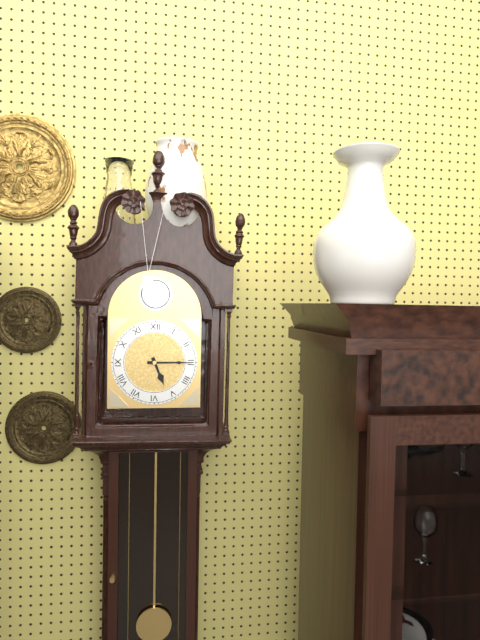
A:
5:15
